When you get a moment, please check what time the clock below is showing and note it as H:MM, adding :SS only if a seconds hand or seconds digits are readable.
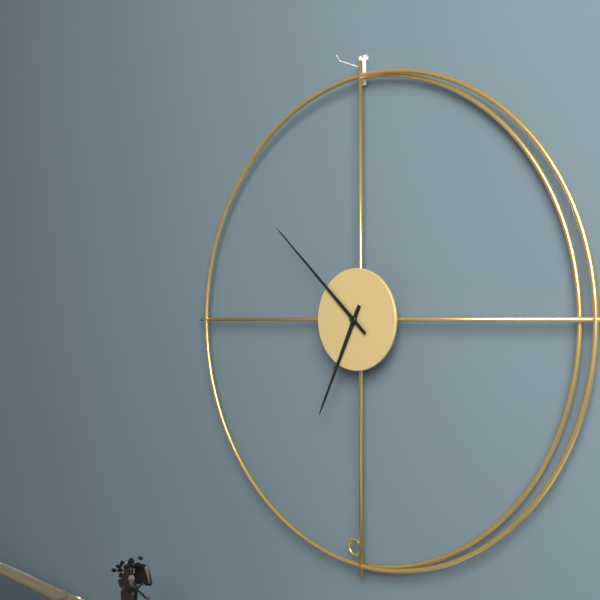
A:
6:52
